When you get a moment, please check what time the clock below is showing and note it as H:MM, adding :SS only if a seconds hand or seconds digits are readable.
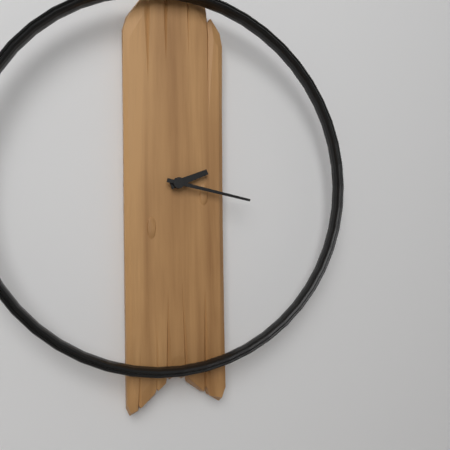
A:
2:17
